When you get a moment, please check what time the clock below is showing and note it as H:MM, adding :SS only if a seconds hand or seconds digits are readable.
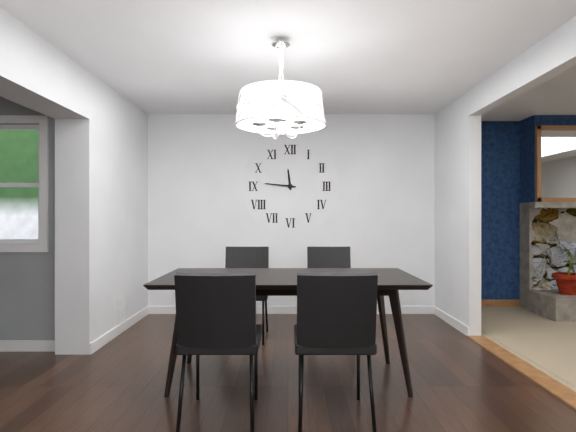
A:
11:46
